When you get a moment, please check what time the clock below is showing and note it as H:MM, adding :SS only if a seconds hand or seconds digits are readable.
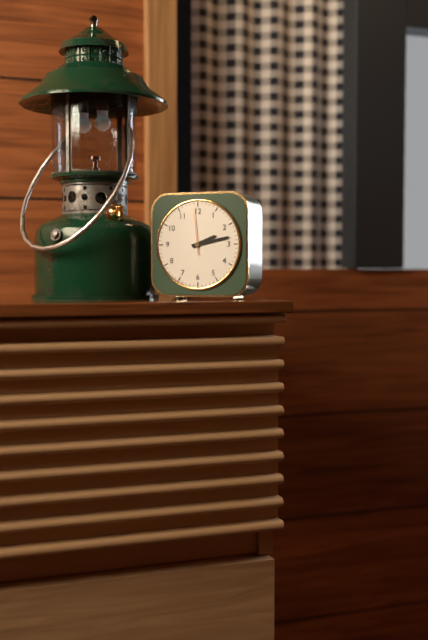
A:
2:13:59
